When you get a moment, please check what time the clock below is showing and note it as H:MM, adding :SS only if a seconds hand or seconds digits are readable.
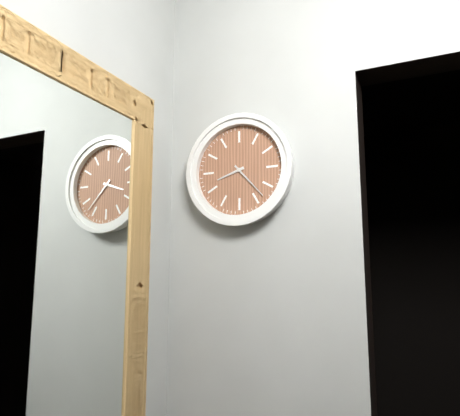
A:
8:23
